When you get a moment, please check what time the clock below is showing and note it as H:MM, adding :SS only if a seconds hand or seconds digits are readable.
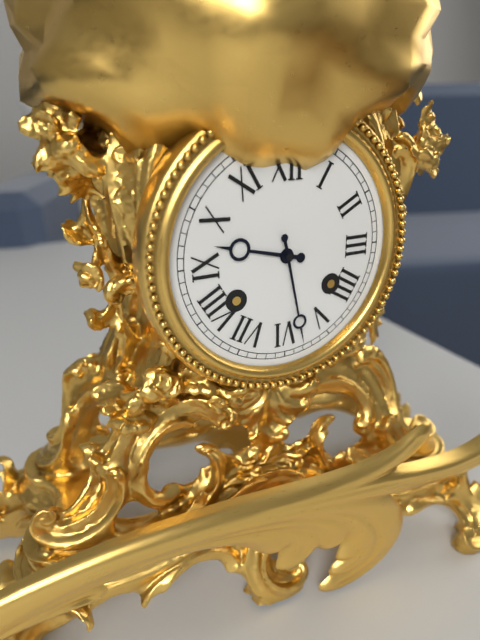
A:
9:28
